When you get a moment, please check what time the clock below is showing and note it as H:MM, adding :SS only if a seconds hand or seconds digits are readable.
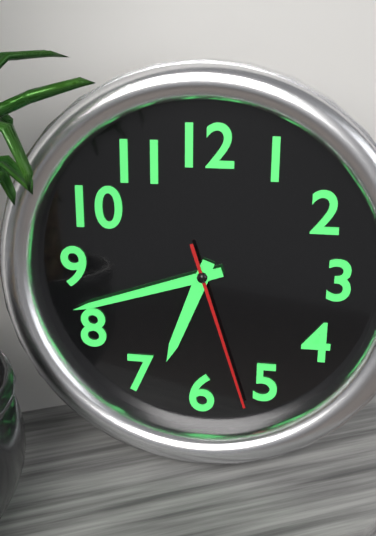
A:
6:42:27
